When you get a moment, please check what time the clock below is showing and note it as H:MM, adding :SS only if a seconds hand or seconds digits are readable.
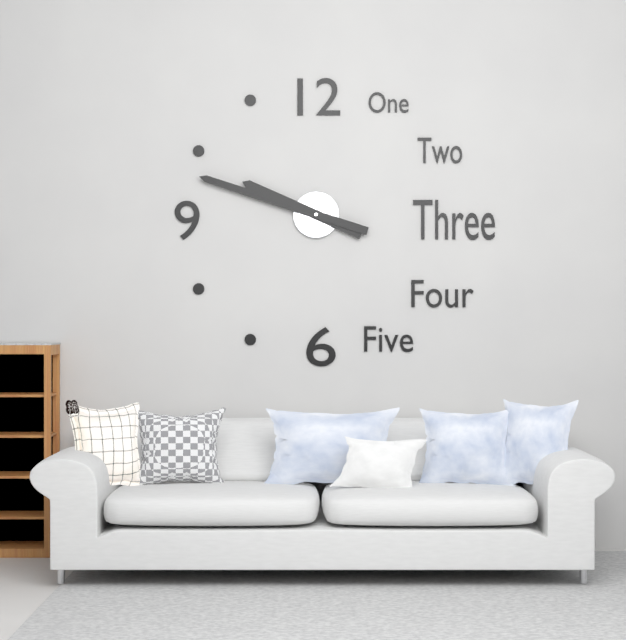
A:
9:48
